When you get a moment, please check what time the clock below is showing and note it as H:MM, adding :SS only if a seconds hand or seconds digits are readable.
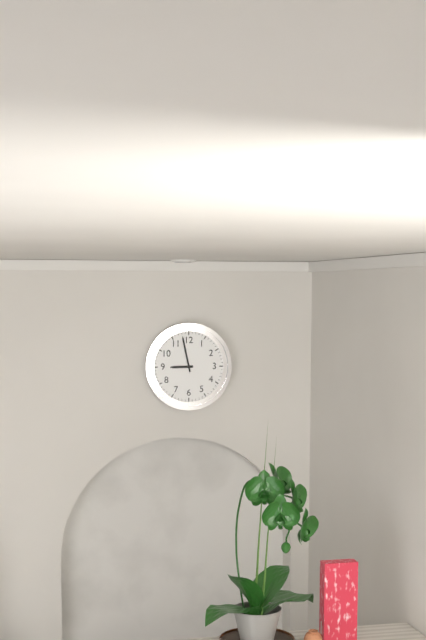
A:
8:58
